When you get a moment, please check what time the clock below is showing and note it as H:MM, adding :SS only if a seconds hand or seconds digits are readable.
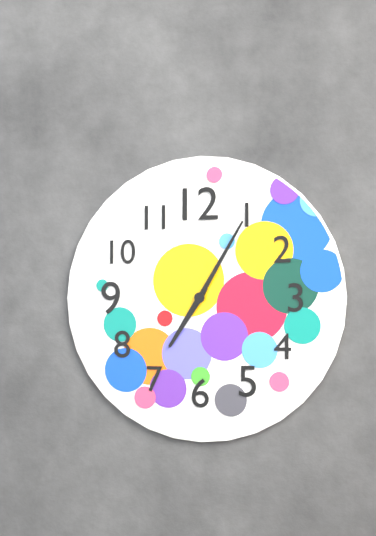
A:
7:05
